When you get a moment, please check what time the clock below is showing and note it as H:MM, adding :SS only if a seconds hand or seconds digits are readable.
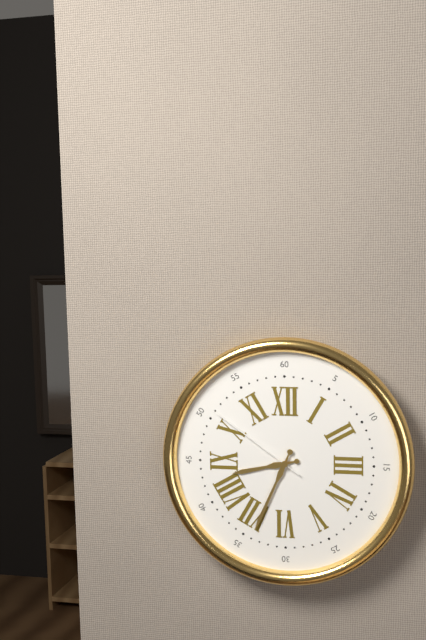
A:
8:34:51
